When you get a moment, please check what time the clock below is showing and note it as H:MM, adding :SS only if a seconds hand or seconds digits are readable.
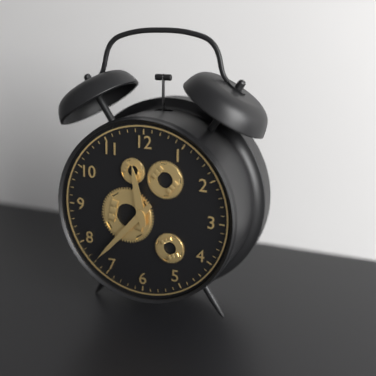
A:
11:37
